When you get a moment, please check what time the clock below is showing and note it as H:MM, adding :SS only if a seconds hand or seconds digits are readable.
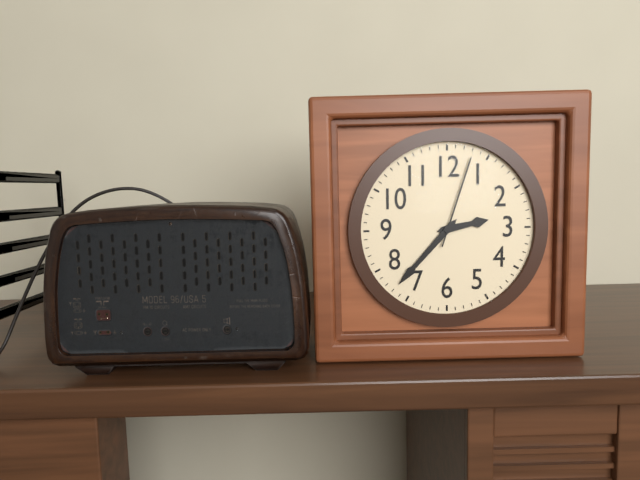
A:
2:37:03
